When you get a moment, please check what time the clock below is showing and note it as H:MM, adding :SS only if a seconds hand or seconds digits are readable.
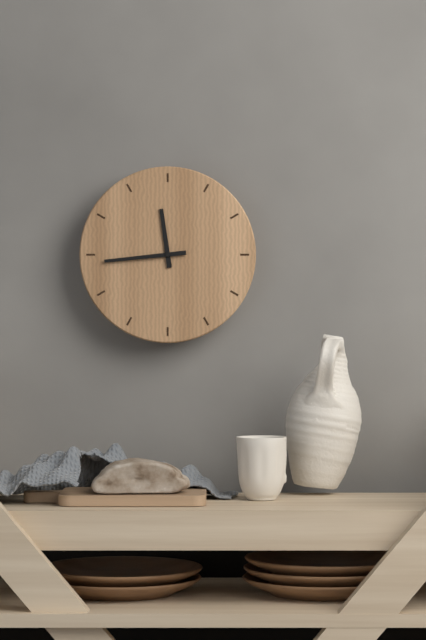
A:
11:44
